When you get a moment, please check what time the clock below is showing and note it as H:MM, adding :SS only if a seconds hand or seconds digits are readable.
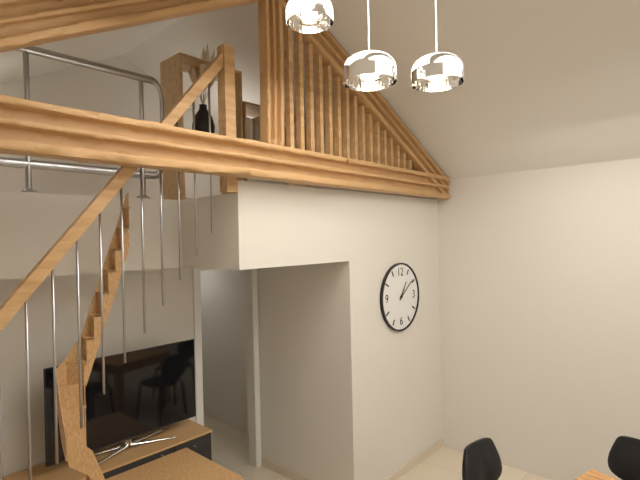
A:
1:09
